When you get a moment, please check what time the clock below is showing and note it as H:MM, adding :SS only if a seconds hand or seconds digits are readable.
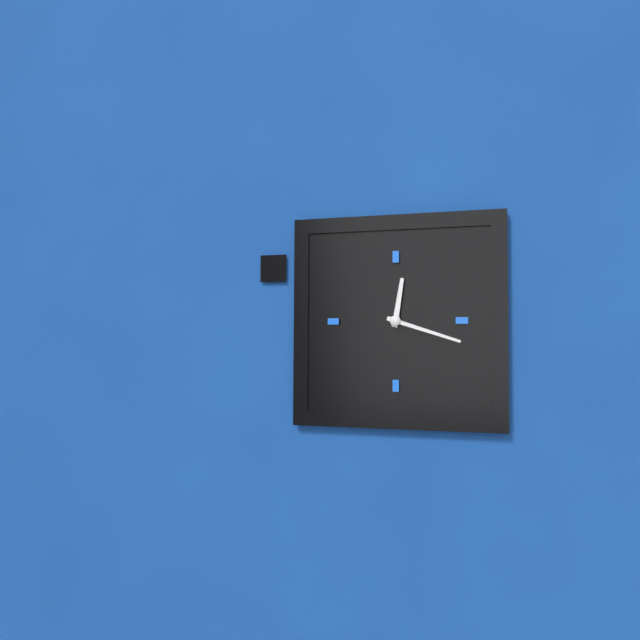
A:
12:18
